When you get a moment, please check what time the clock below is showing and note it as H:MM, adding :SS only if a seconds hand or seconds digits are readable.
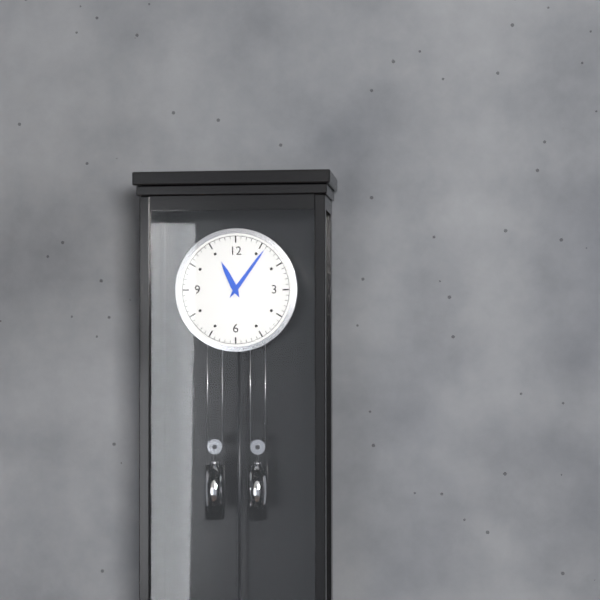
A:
11:06
